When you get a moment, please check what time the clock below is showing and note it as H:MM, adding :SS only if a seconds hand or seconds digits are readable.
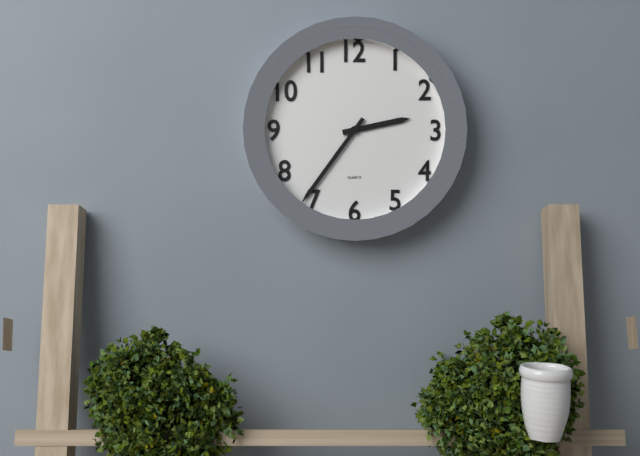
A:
2:36
